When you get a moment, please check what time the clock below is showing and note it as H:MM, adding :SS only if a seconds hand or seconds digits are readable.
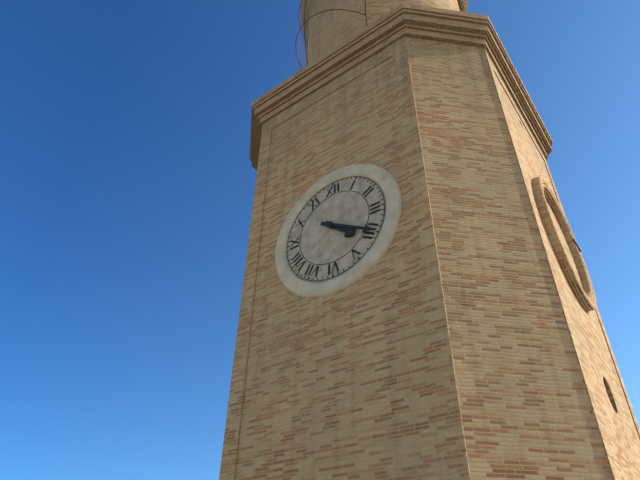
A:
4:20
